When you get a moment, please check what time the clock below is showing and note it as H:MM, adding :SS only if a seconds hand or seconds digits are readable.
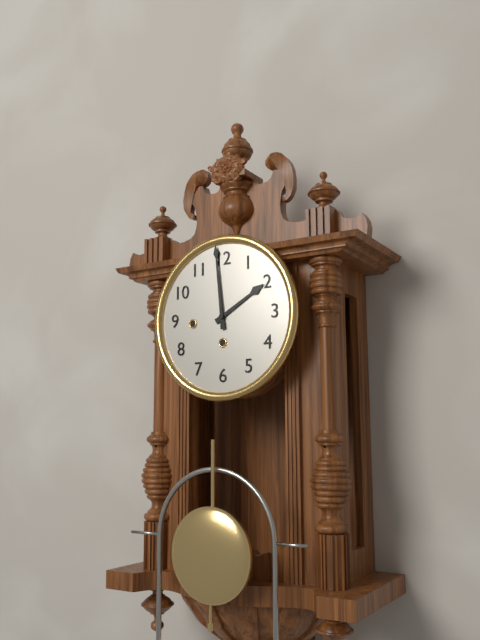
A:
1:59
